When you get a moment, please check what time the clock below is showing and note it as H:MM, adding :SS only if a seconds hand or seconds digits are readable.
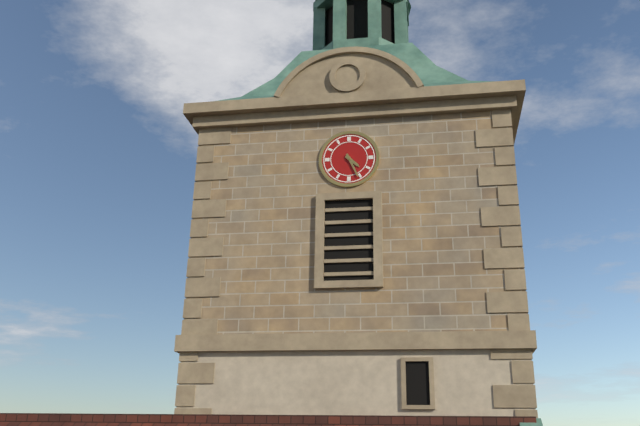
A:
4:26
